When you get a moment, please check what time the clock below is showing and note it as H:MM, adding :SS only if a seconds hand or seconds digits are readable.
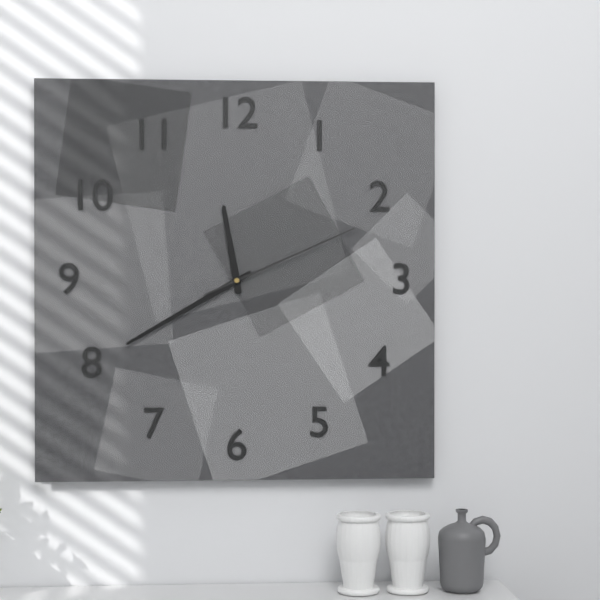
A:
11:40:11
